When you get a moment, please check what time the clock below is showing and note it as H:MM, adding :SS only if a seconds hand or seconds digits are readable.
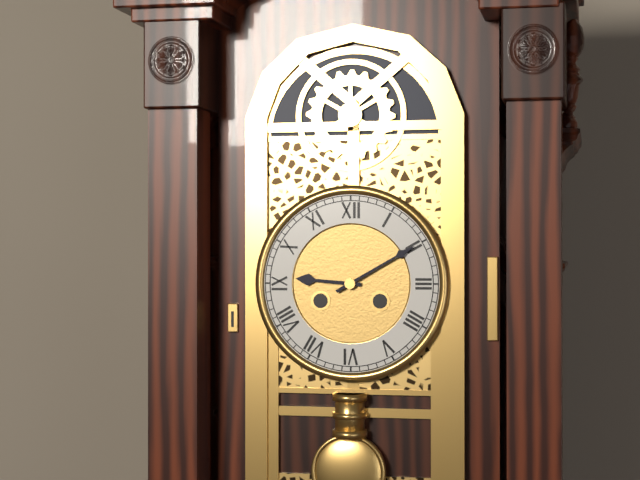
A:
9:10
